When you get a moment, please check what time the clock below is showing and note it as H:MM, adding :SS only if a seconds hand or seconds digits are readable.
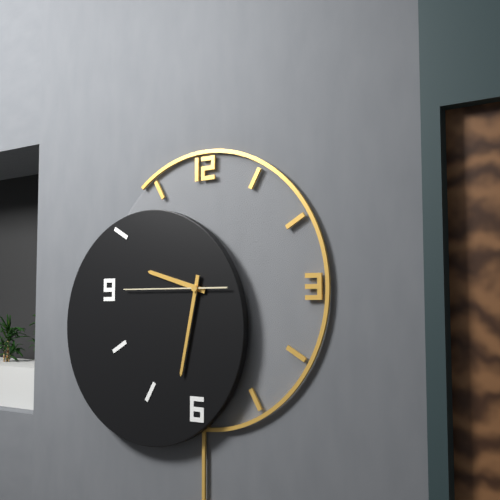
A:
9:32:45
